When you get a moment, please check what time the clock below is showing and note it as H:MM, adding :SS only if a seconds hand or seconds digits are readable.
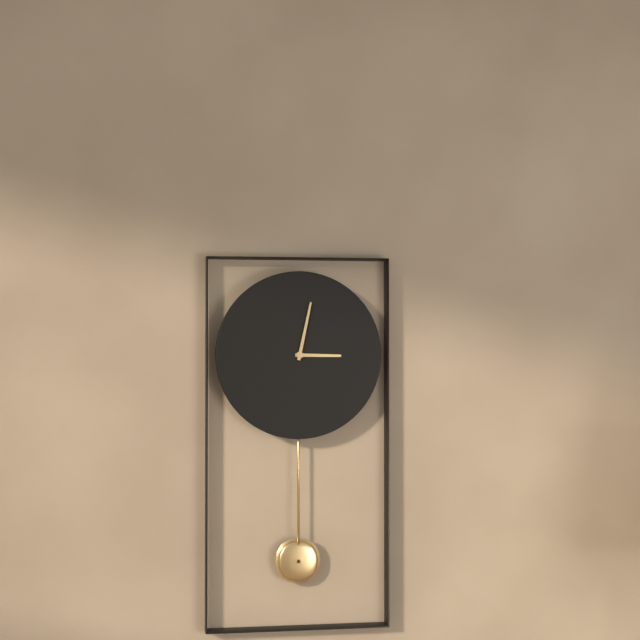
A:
3:02
